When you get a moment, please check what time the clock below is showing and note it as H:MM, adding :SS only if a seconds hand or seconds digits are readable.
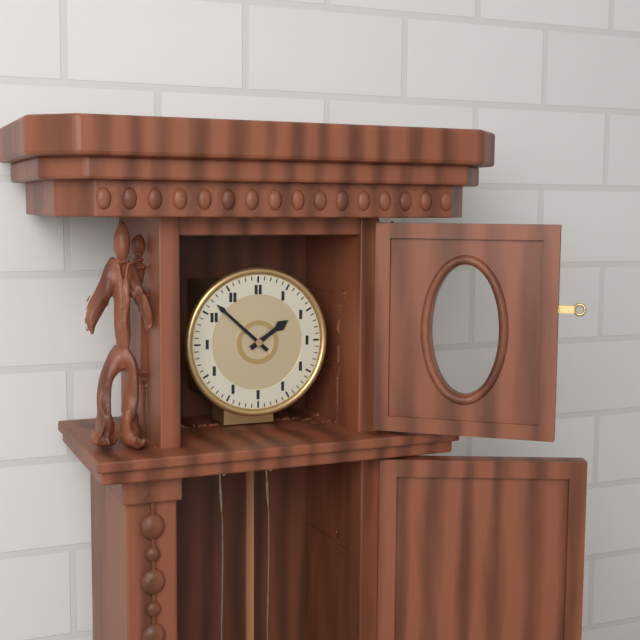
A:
1:52
